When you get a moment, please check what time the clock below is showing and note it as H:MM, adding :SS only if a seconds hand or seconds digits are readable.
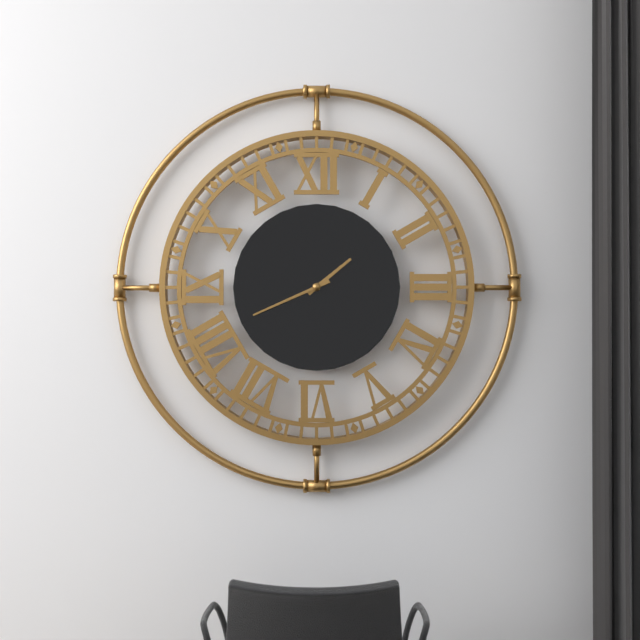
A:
1:41
